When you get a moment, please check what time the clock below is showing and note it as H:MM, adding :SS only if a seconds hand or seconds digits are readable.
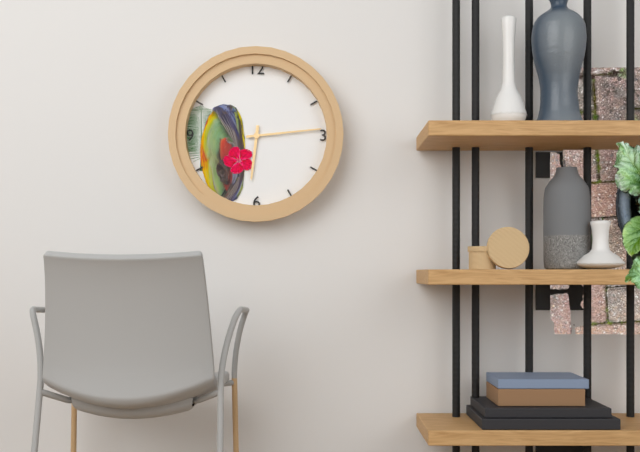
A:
6:14
